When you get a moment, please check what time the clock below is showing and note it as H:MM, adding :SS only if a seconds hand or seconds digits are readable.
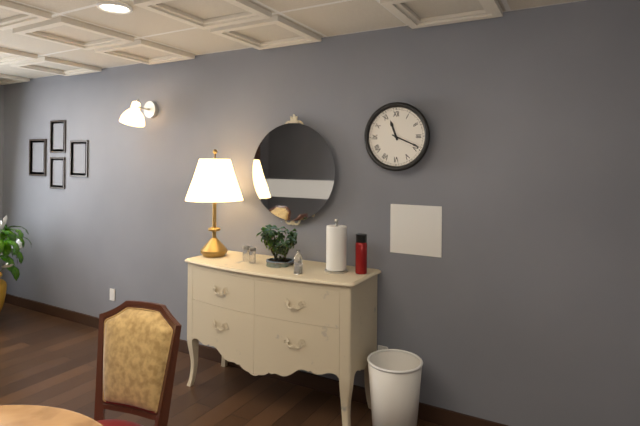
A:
11:19
